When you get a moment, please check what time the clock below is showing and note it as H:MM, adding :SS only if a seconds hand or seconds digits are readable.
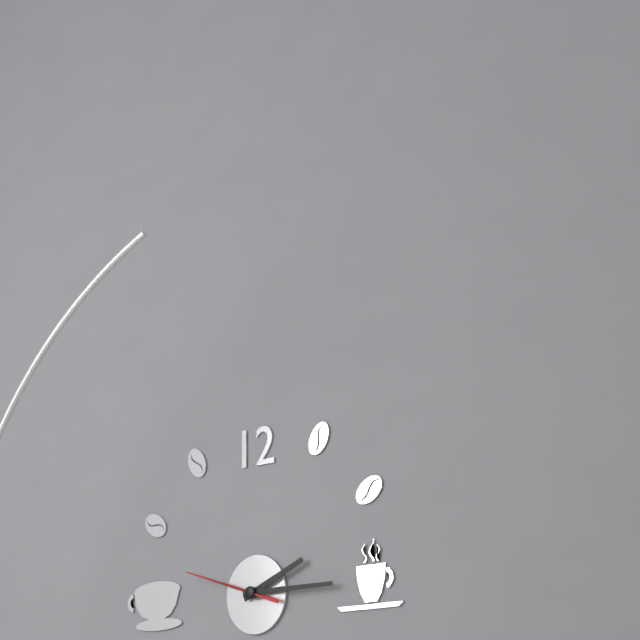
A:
2:15:48
